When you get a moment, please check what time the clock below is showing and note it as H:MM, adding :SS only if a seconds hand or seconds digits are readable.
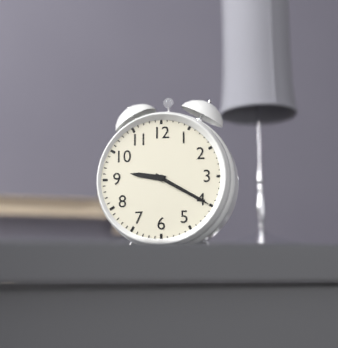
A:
9:20
